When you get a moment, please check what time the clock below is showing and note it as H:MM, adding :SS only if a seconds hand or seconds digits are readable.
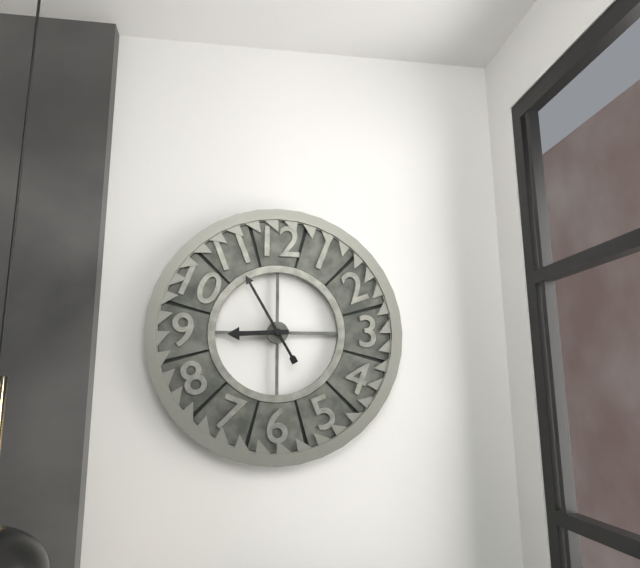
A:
8:55
